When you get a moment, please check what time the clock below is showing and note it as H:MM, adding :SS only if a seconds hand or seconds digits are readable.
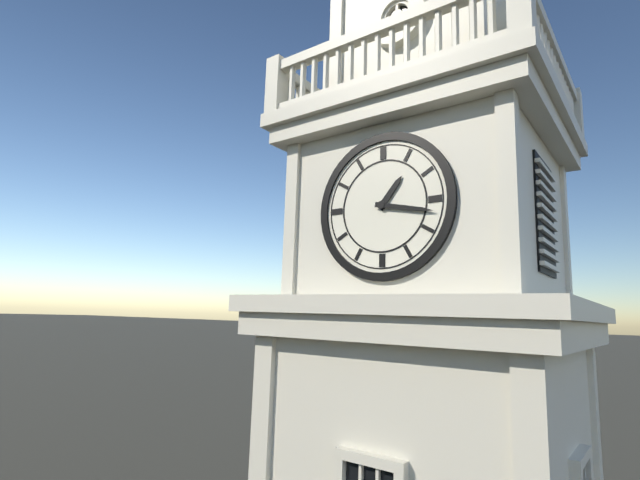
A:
1:17
